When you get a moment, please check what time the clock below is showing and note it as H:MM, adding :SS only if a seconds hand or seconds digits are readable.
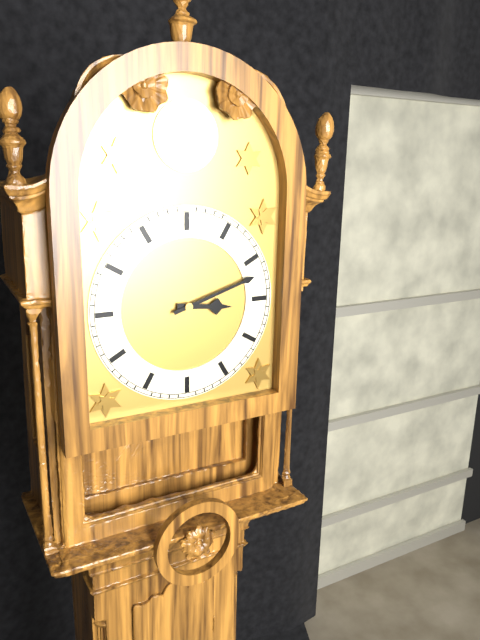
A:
3:12
